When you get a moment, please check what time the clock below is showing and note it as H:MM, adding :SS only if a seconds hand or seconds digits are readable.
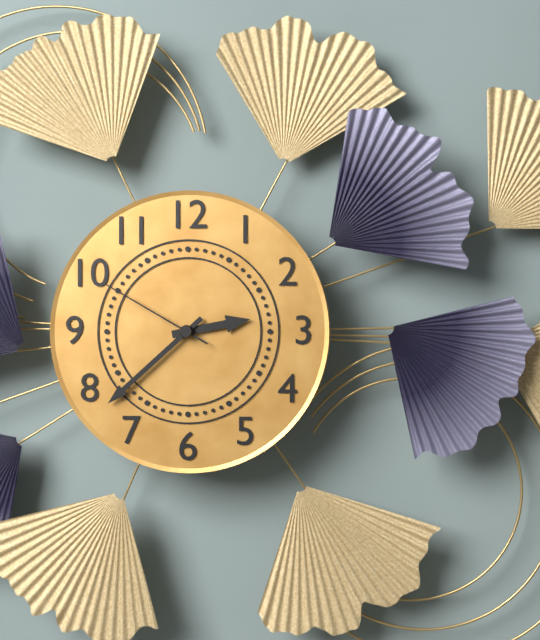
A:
2:38:50
